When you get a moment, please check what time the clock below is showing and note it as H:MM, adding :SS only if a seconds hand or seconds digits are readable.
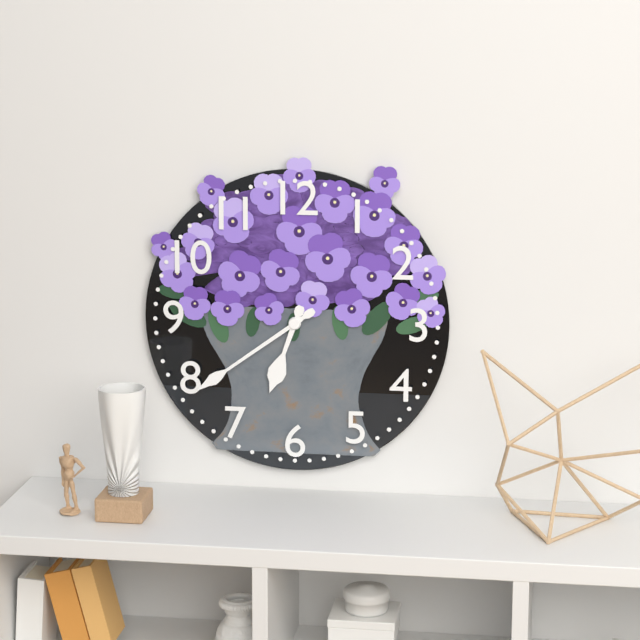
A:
6:39
